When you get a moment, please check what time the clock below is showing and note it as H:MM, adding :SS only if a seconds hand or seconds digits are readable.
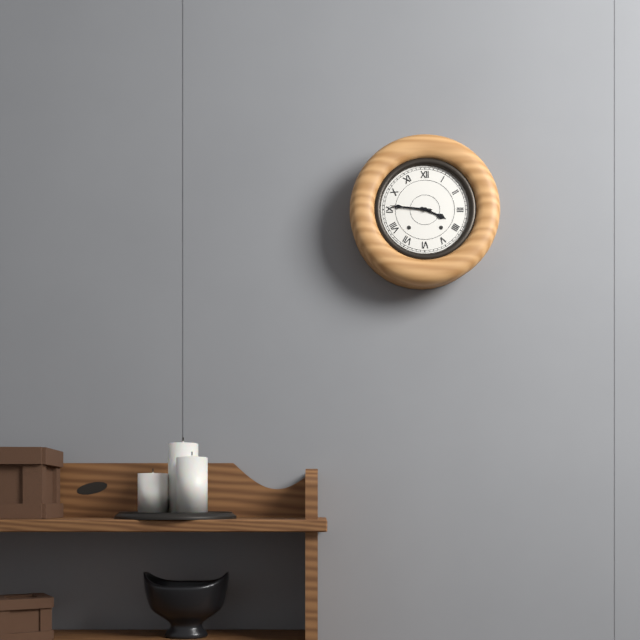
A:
3:46
